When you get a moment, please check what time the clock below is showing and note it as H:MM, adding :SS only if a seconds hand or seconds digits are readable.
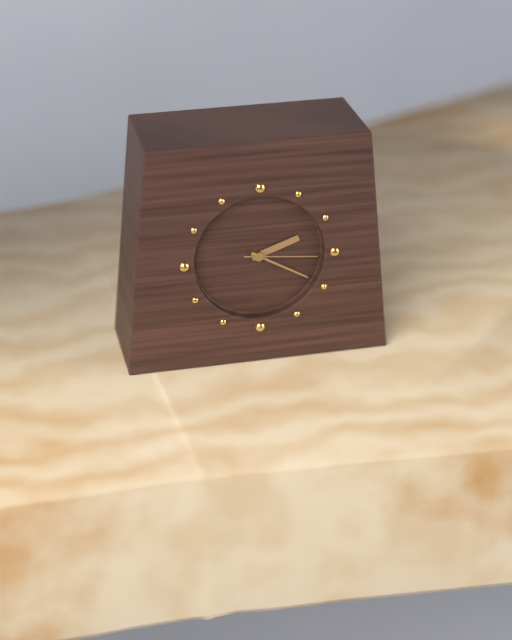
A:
2:20:16
